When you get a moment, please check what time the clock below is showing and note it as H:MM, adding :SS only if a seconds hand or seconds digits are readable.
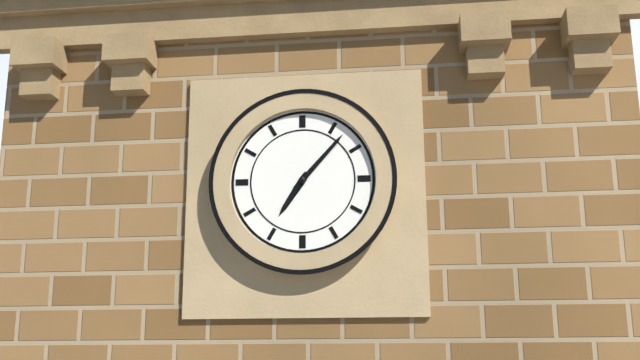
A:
7:07
